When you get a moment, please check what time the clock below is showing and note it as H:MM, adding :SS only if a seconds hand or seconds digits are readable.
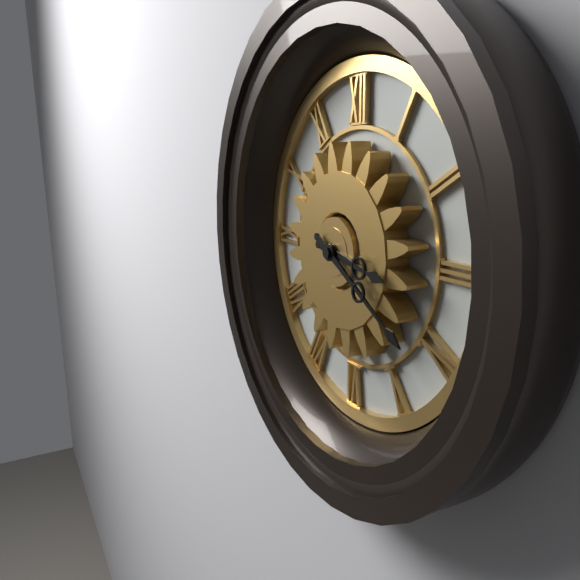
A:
3:20
